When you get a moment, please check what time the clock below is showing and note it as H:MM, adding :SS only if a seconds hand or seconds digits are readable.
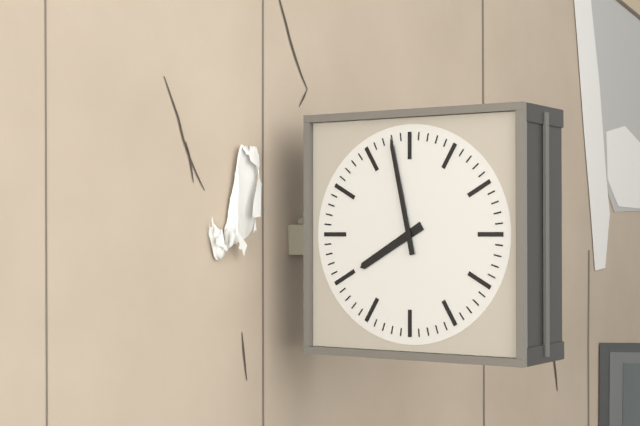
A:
7:58
